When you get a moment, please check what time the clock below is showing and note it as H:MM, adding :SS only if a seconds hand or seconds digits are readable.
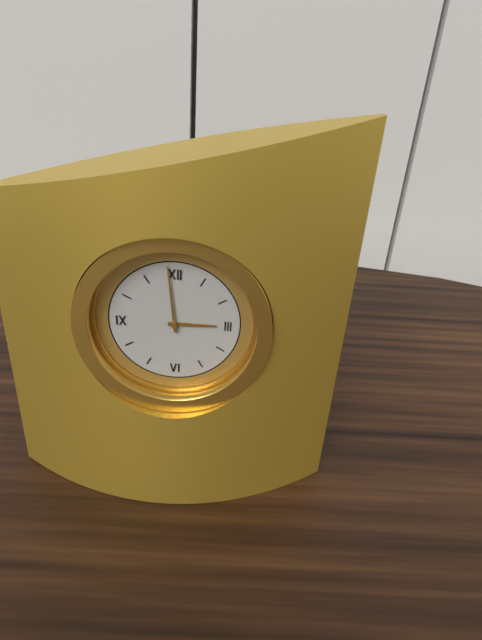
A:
2:59
